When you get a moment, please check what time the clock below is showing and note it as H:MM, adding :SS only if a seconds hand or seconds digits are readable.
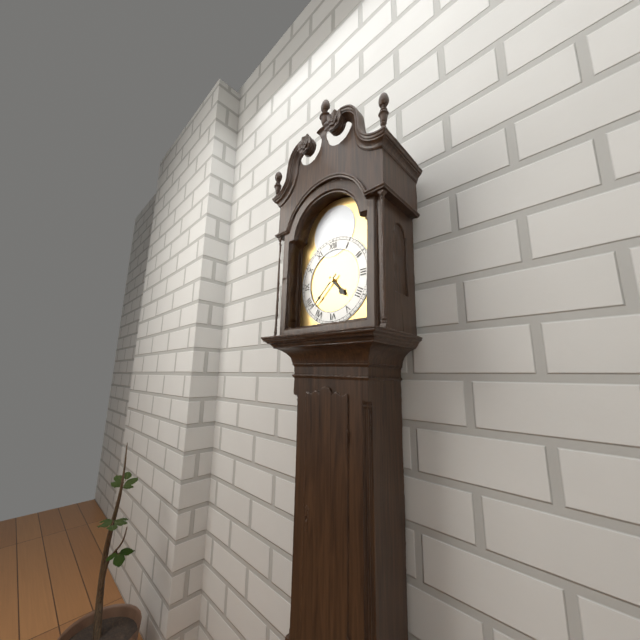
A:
4:38
